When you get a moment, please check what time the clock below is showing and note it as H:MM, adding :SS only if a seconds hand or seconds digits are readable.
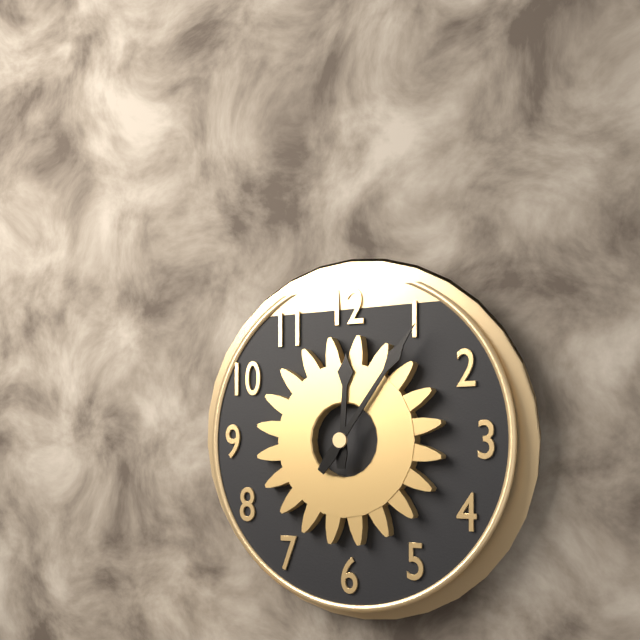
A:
12:06
